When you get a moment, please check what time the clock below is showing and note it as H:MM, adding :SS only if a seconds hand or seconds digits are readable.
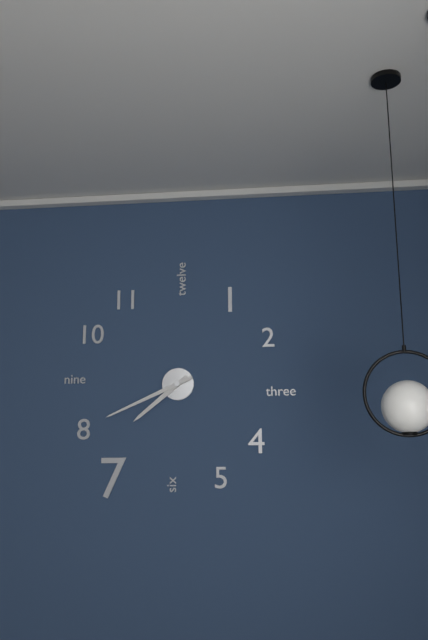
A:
7:41
